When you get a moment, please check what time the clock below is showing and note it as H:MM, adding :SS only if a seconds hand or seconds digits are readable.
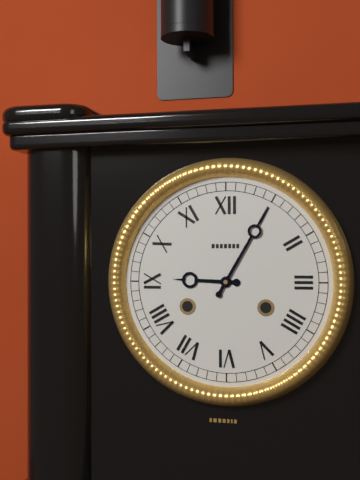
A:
9:05
